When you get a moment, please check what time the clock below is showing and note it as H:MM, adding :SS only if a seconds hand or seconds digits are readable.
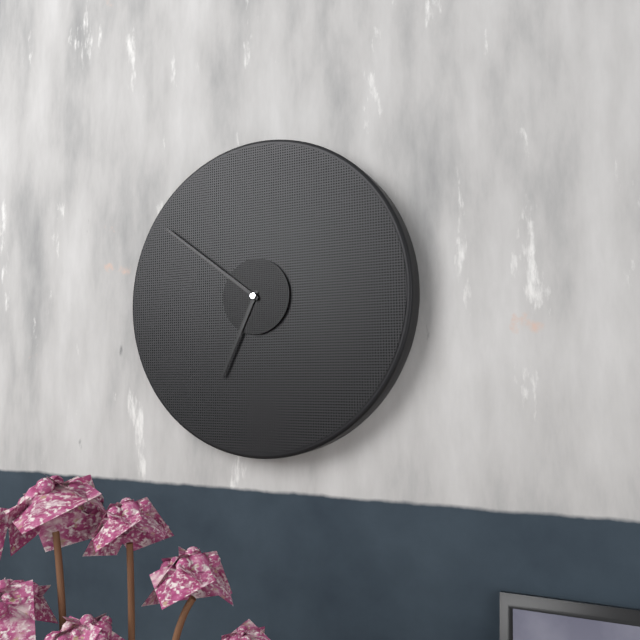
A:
6:51
